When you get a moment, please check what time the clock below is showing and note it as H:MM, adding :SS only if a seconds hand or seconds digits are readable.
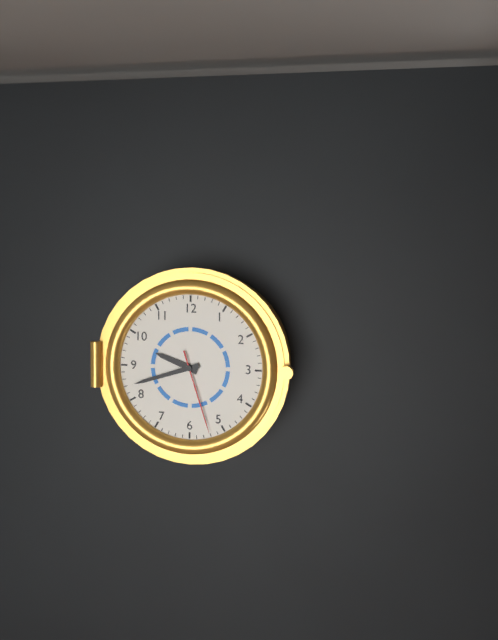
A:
9:42:27
